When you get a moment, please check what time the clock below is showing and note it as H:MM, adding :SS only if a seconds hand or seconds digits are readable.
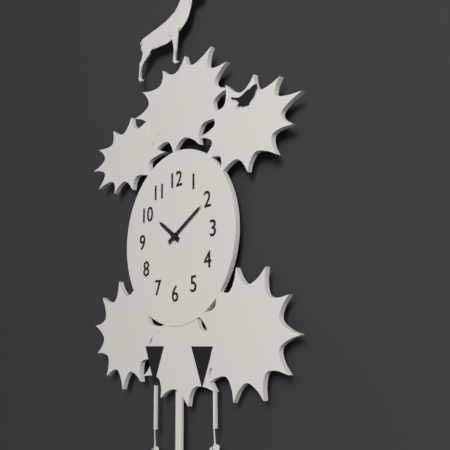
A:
10:10
